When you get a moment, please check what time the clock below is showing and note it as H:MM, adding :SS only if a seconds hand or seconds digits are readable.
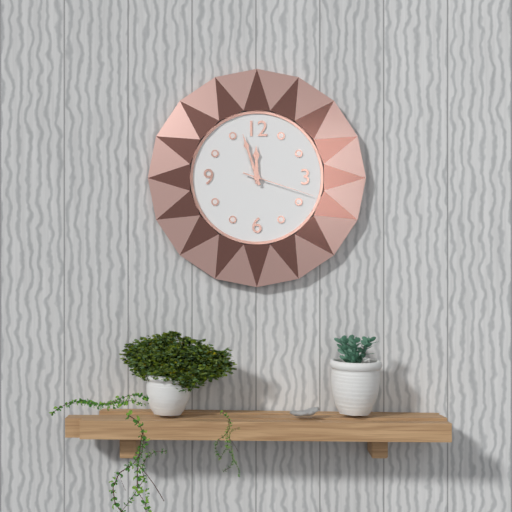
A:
11:57:18
